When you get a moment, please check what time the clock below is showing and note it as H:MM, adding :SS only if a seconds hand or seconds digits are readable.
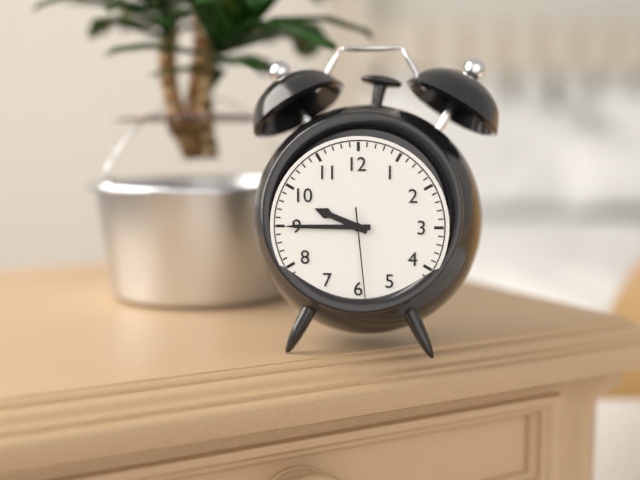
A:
9:45:29
